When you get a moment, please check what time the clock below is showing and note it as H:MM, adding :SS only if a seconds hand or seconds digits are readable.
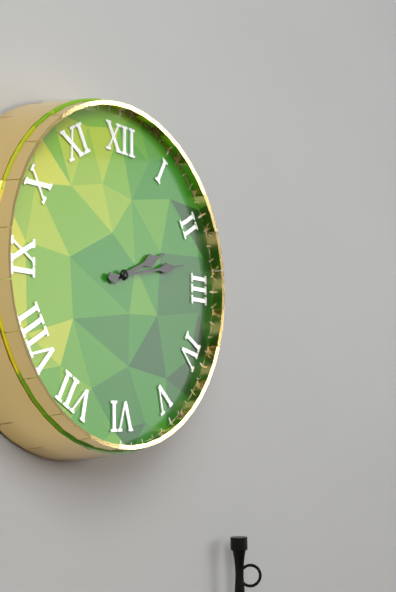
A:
2:13
